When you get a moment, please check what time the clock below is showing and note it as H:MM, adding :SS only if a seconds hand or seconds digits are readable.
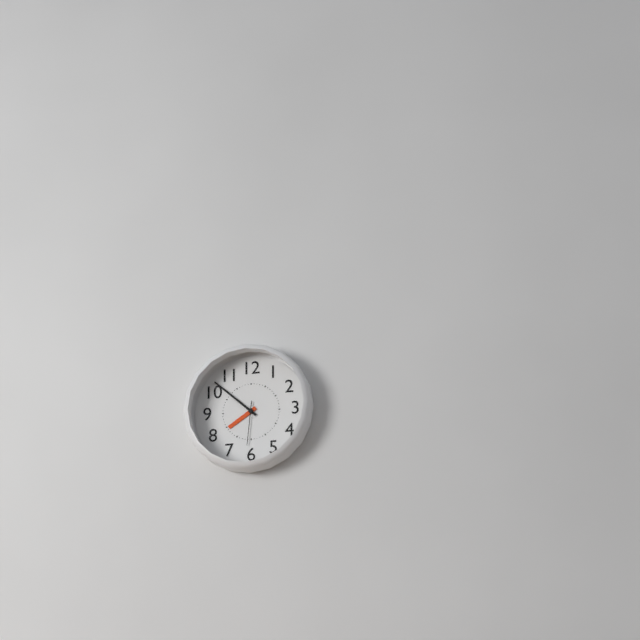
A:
7:52
